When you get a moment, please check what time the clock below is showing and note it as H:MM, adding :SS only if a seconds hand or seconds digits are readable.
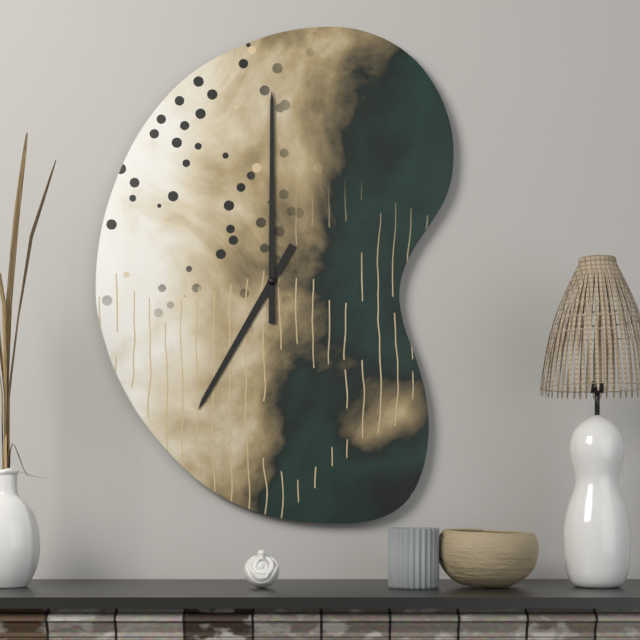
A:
7:00
